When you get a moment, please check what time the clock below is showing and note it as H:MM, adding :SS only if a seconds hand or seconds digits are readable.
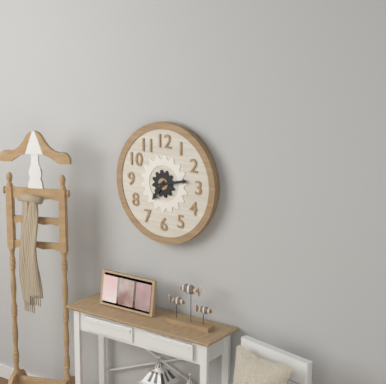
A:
7:13
